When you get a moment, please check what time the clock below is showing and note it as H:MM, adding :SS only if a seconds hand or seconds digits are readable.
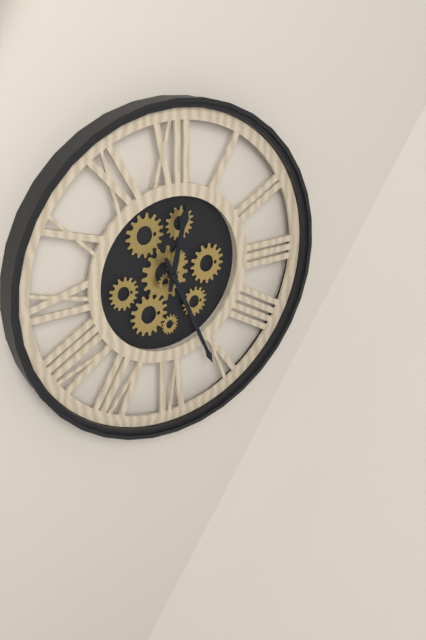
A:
12:26
